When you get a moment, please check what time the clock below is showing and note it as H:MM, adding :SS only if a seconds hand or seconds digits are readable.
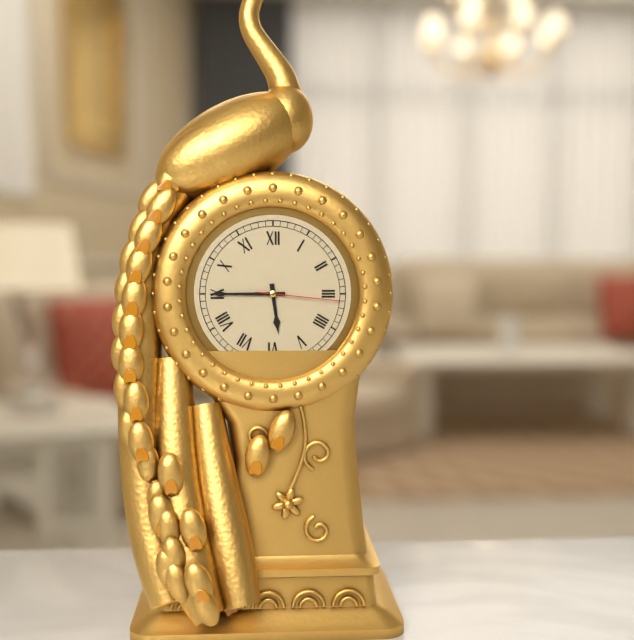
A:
5:45:16
